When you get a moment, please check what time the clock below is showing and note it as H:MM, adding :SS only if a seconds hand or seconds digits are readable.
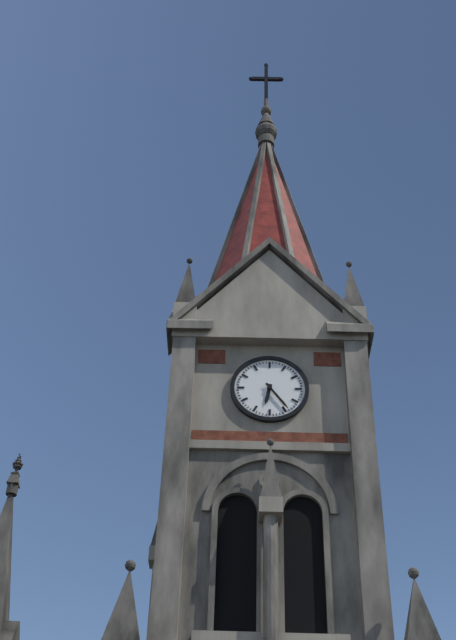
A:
6:24
